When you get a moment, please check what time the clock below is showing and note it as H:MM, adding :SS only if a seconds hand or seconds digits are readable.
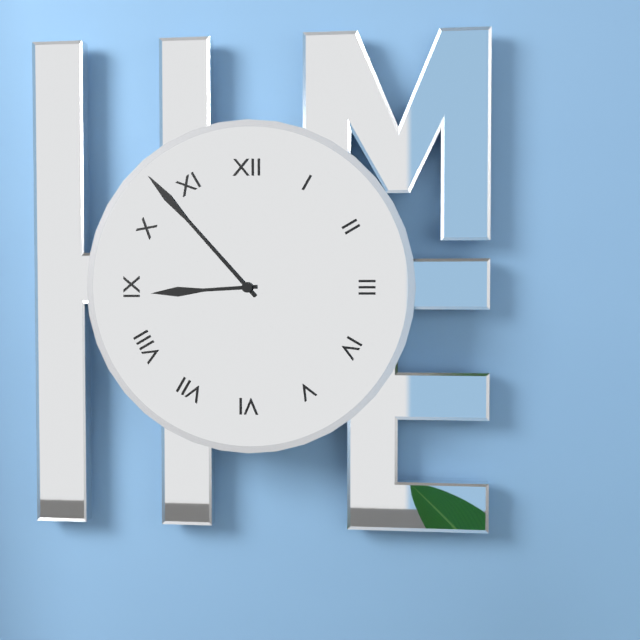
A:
8:53
